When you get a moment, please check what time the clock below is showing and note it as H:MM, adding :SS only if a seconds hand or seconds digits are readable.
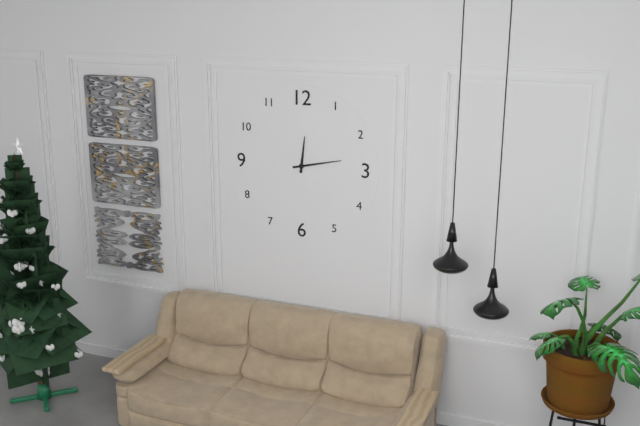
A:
12:13
